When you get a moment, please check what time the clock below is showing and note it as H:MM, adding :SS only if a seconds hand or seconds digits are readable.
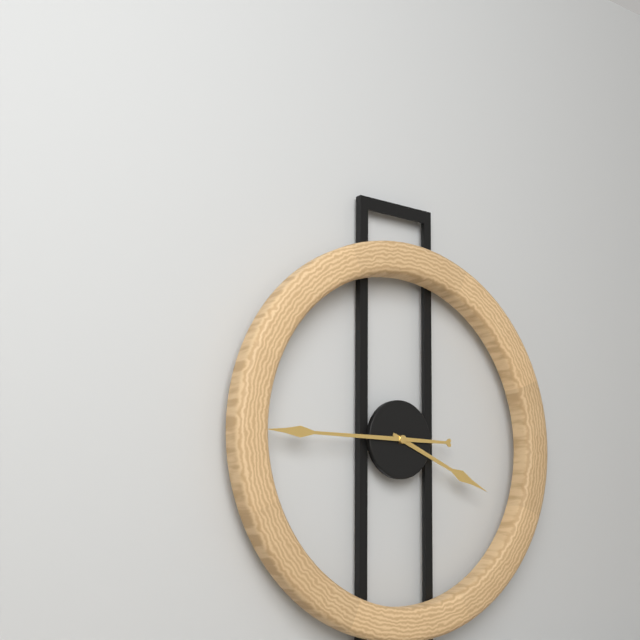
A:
3:45
